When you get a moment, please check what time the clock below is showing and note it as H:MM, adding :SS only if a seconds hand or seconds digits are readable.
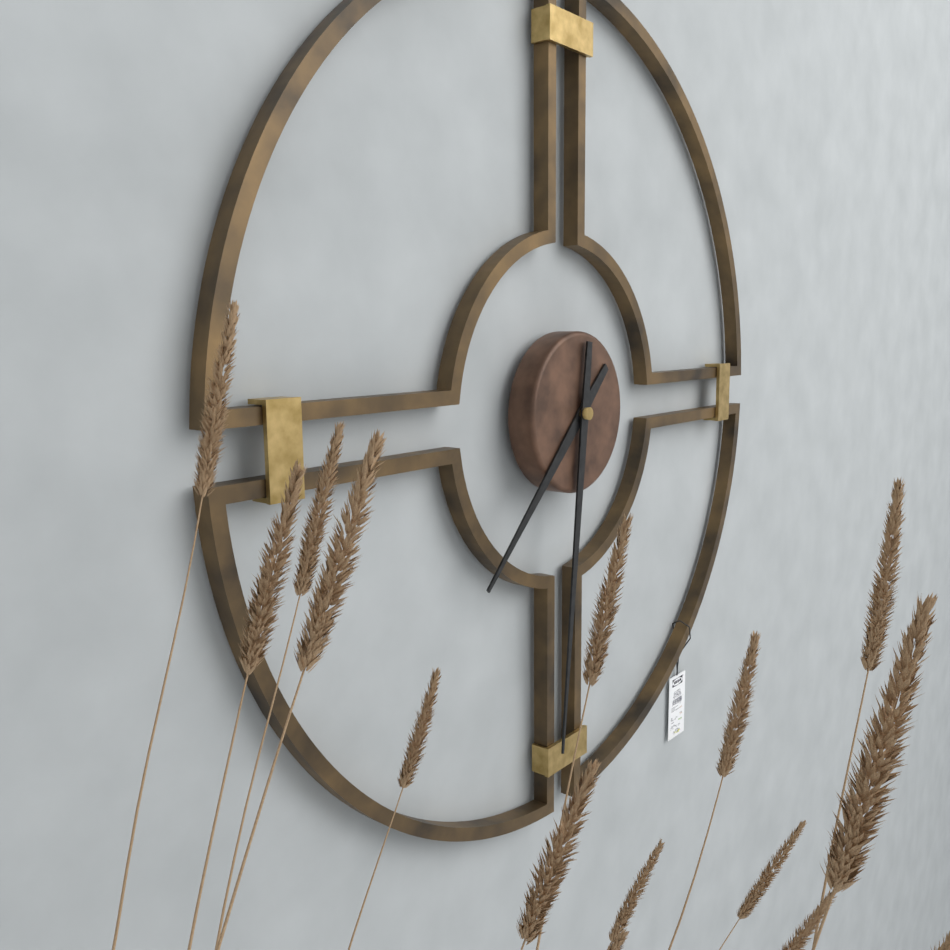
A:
7:31
